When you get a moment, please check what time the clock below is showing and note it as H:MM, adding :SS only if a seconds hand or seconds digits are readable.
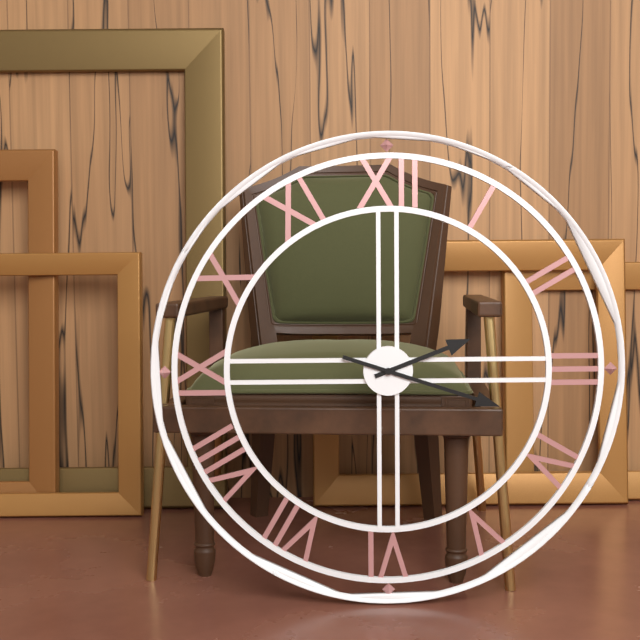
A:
2:18
